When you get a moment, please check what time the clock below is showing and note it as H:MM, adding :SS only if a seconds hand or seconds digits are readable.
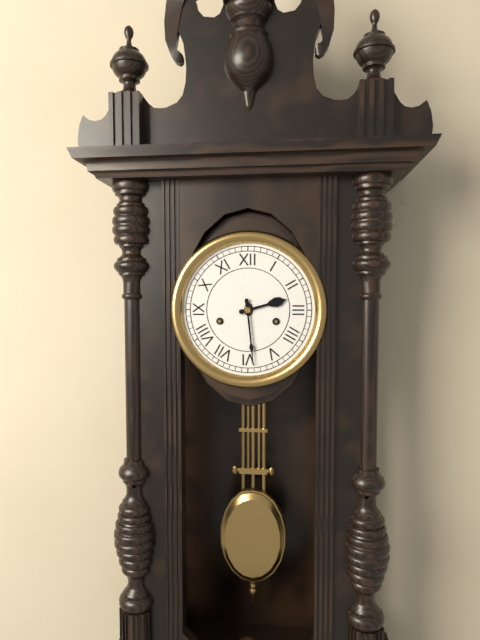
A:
2:29
